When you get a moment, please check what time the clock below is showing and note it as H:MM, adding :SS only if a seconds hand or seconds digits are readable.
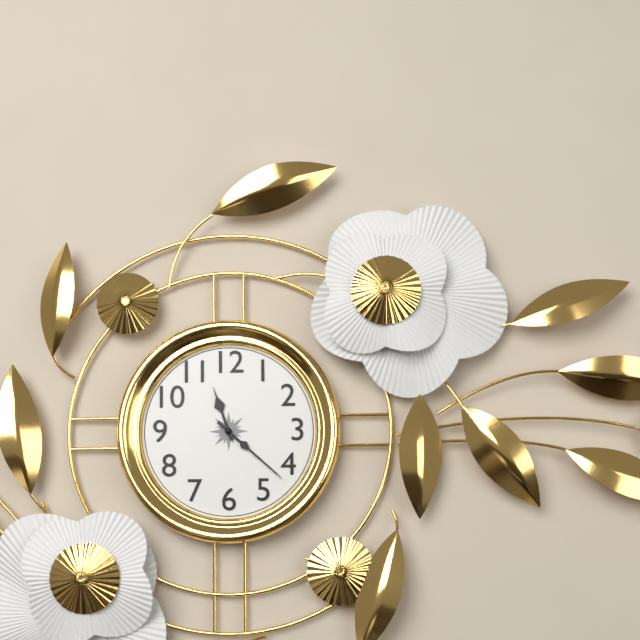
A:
11:22
